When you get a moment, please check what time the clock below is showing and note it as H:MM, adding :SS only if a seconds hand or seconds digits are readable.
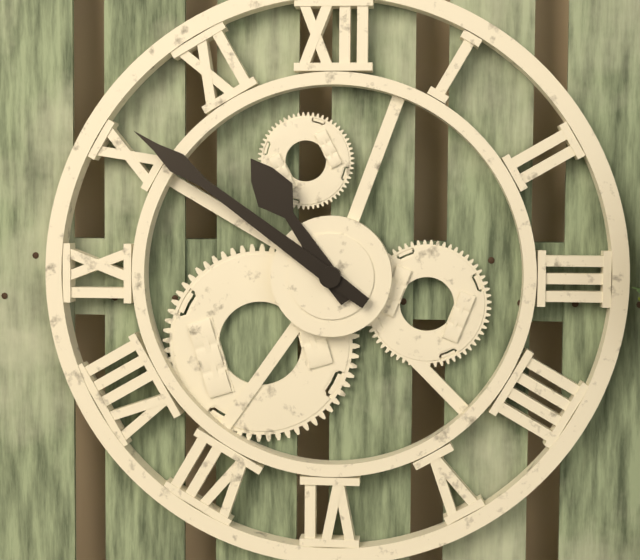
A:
10:51
